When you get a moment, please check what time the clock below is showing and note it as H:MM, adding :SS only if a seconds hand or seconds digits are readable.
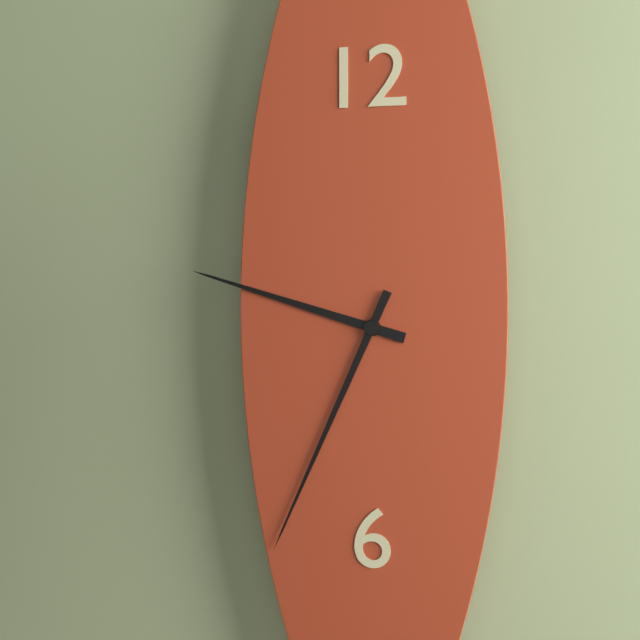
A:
9:34
